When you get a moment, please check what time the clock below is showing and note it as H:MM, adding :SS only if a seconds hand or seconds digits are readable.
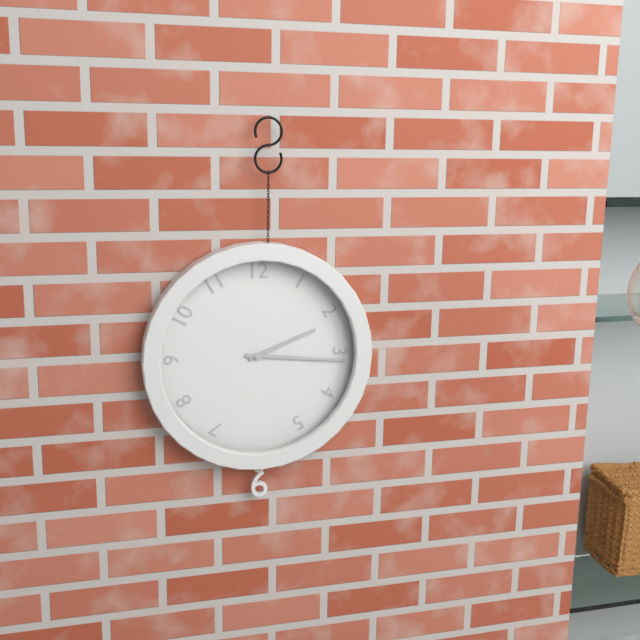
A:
2:16
